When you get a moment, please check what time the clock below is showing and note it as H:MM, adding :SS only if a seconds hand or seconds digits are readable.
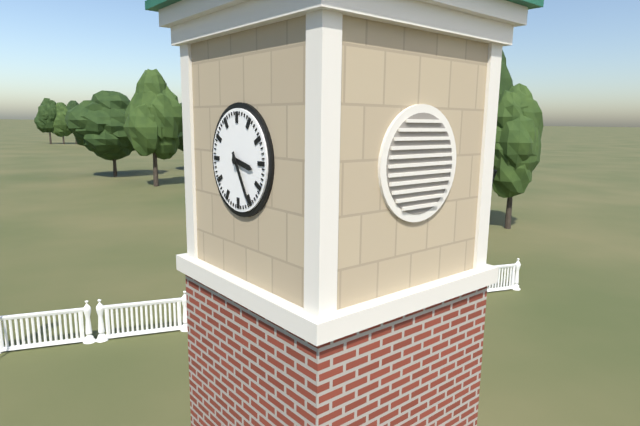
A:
3:25
